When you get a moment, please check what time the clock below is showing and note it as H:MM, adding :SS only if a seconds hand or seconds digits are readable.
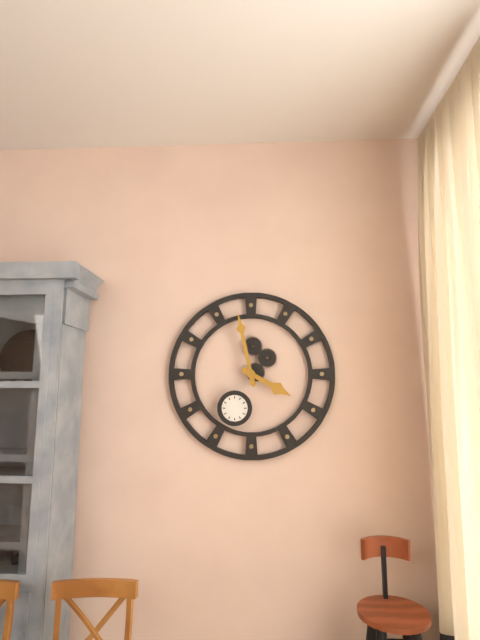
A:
3:58
